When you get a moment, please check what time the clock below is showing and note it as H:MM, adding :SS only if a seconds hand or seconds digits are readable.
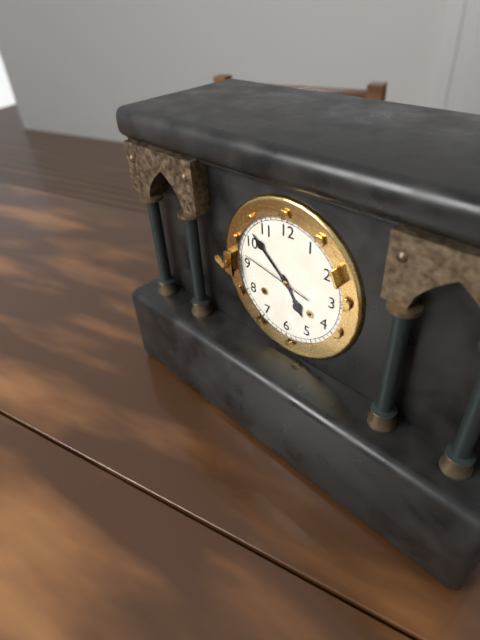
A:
4:52:47
